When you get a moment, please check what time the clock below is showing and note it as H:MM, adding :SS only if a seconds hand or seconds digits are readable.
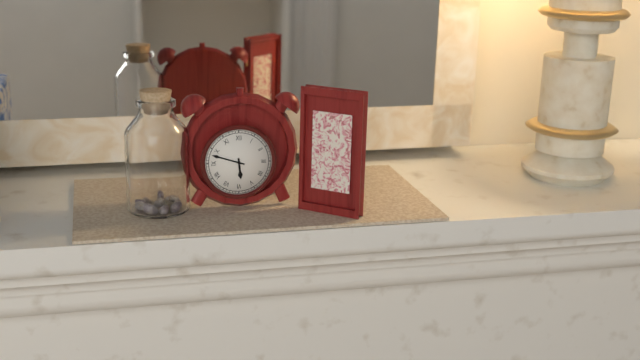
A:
5:48
